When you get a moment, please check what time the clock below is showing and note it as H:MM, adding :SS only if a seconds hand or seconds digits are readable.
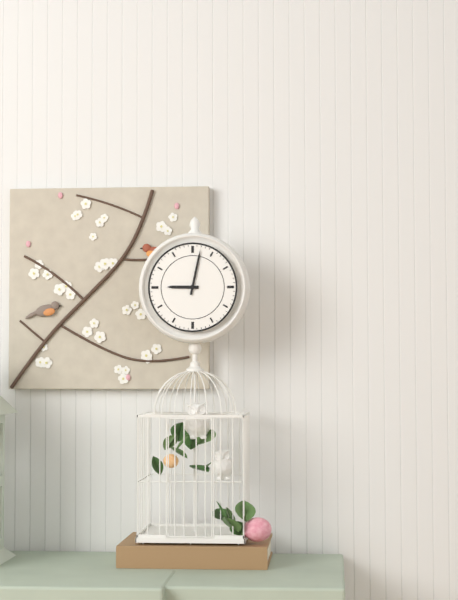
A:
9:02
